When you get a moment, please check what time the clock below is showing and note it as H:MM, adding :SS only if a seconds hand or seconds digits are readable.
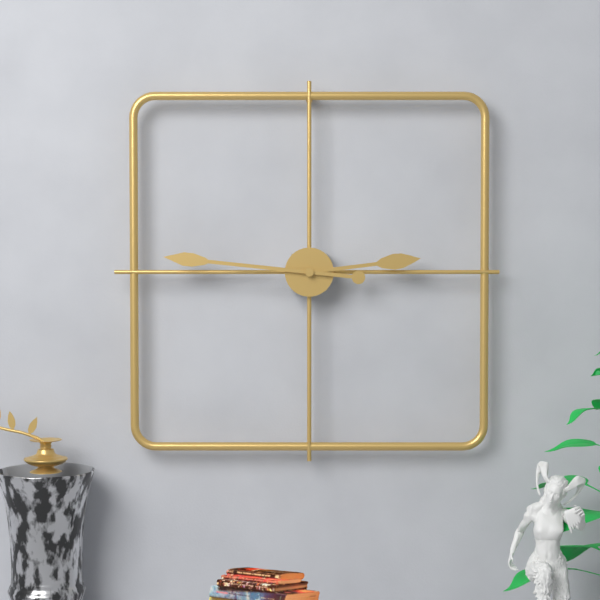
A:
2:46
